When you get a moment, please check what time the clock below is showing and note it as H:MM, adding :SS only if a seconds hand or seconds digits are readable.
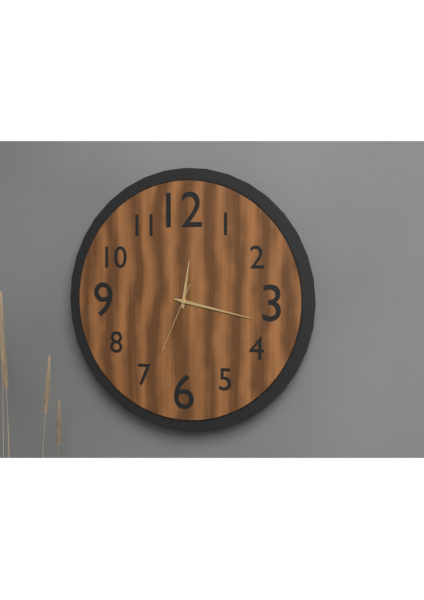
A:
12:17:34
